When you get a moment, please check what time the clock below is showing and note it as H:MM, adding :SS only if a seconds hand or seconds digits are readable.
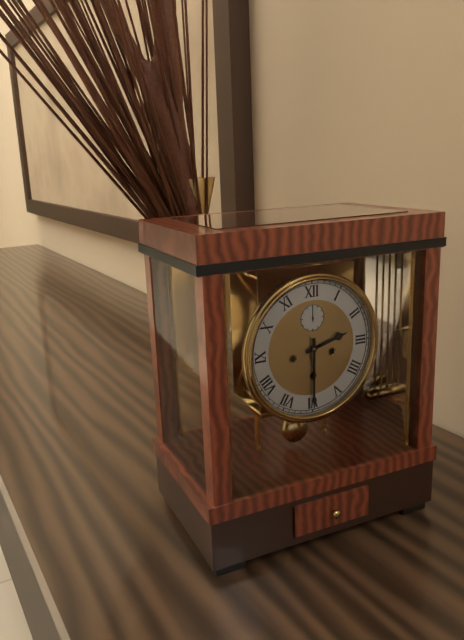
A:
2:30
